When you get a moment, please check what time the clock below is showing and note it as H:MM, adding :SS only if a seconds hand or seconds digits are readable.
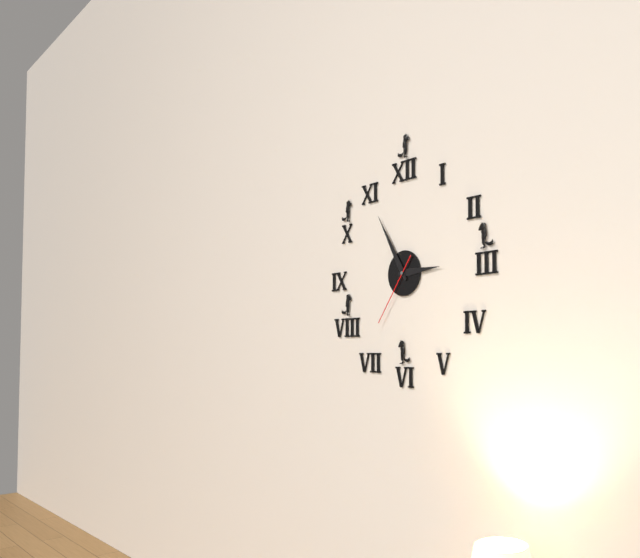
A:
2:55:36
